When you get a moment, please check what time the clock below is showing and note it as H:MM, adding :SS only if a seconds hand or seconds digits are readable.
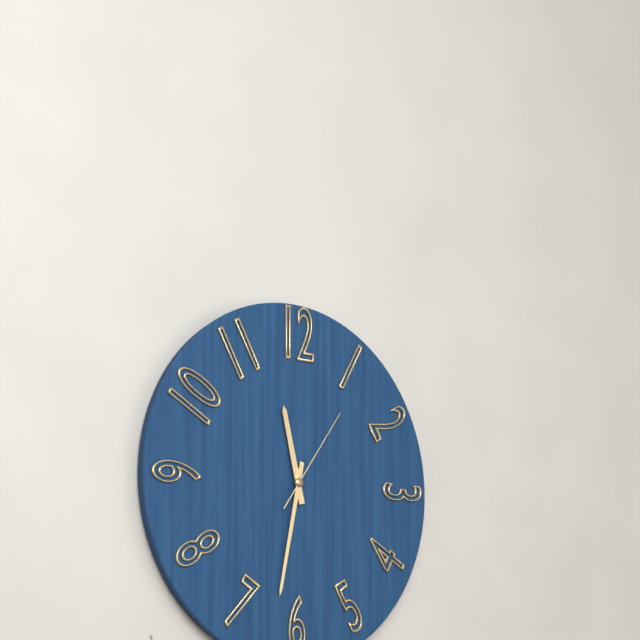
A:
11:32:06
